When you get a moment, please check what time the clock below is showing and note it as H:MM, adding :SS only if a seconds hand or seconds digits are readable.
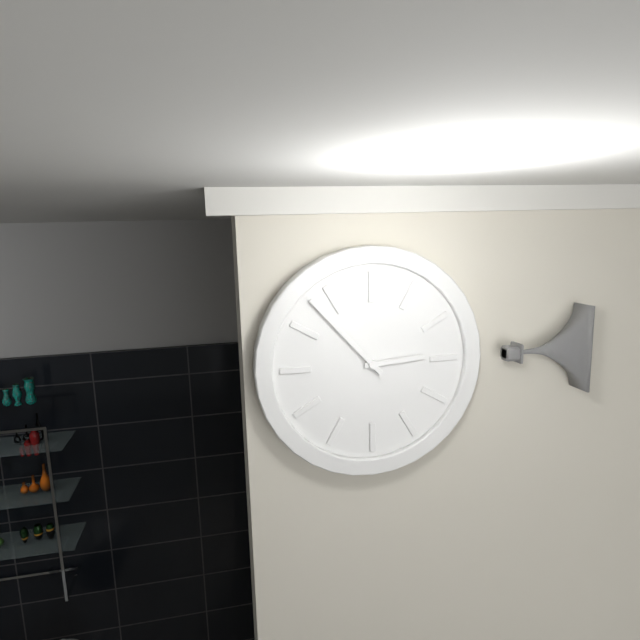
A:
2:53
